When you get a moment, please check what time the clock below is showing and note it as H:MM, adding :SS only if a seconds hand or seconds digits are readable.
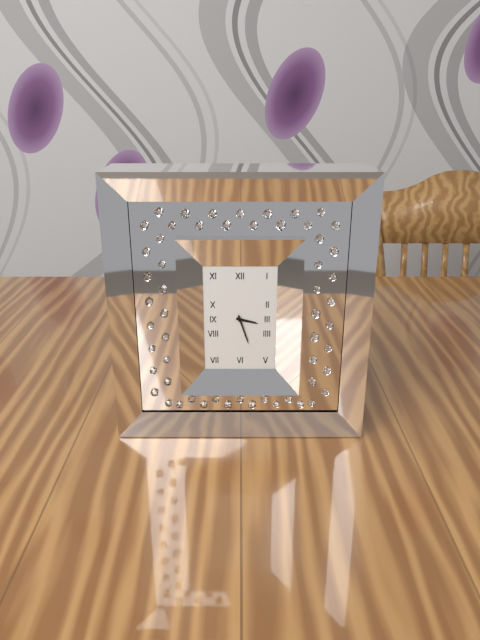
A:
3:27
